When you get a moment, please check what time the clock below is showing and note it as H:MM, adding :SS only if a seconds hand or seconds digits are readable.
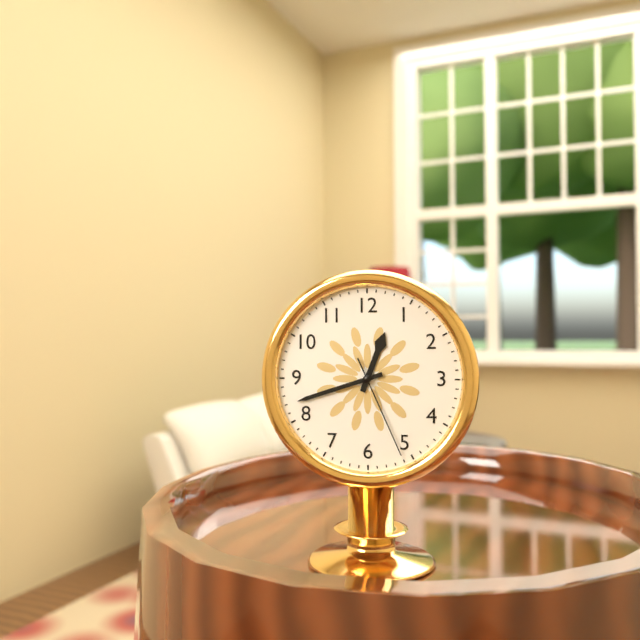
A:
12:42:26
